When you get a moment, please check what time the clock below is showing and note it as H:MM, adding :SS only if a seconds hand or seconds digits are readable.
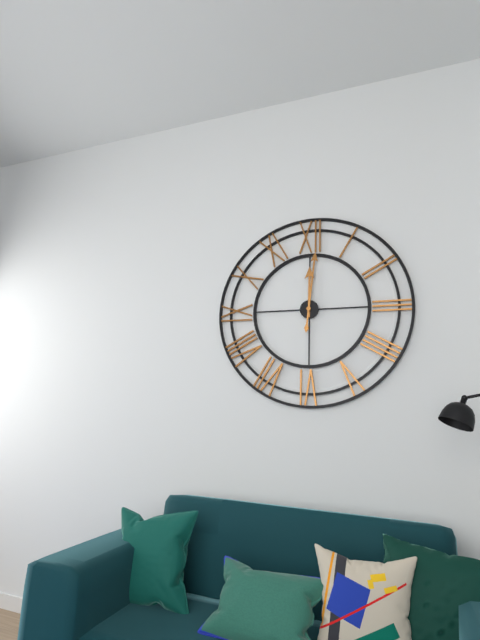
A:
12:01
